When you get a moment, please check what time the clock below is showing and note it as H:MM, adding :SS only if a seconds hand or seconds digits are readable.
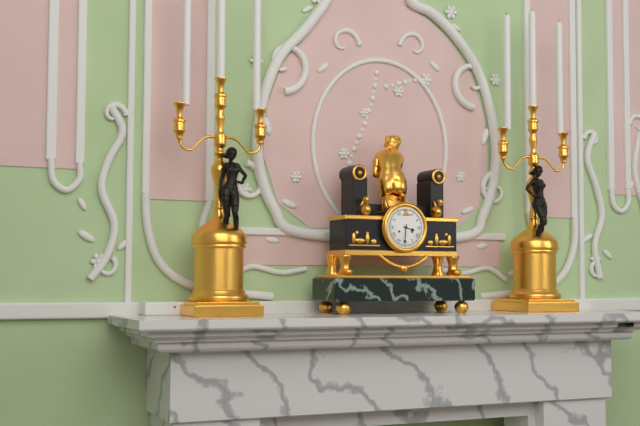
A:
3:31
